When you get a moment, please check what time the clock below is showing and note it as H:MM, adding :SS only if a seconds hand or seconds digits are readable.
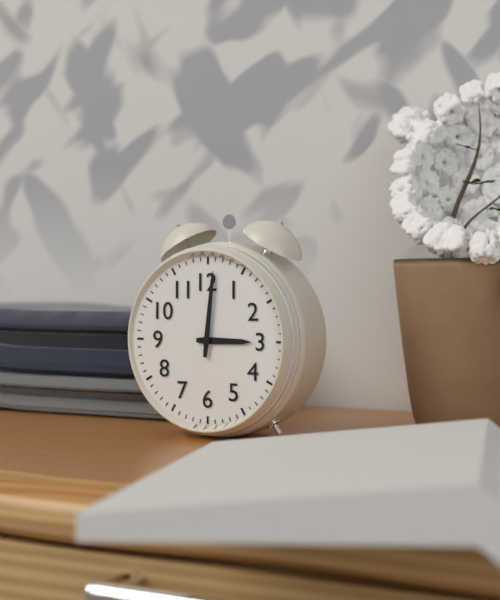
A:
3:01
